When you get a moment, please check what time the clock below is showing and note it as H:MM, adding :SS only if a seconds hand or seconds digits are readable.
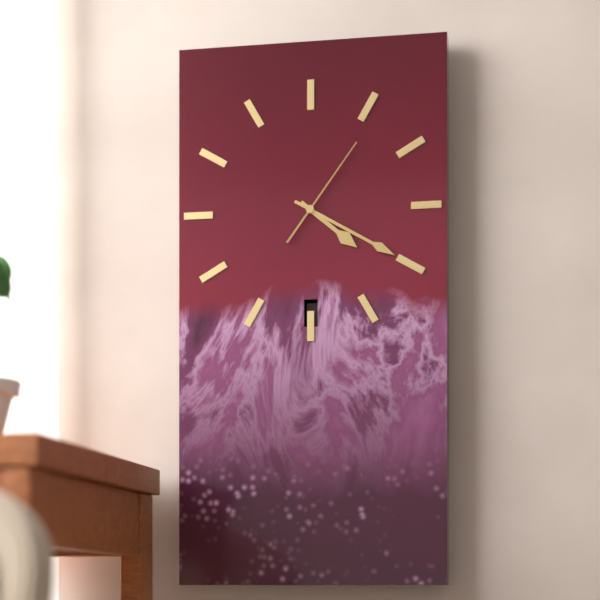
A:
4:20:06
